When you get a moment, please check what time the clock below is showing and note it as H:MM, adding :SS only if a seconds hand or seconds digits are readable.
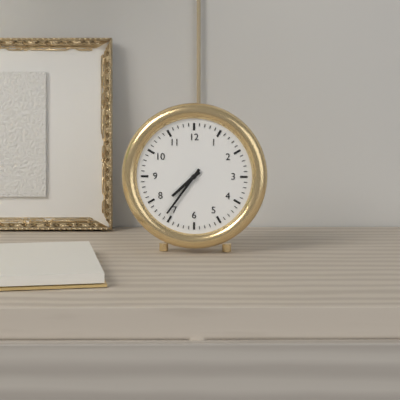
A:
7:36
